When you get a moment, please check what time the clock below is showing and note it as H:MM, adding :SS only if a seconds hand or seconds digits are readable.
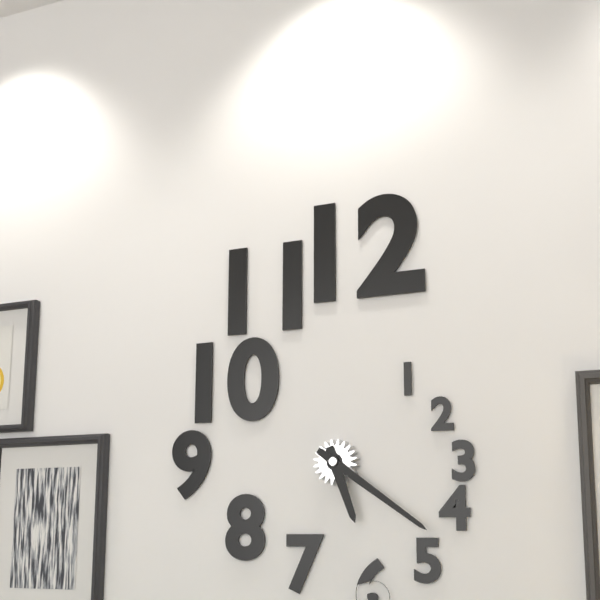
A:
5:21
